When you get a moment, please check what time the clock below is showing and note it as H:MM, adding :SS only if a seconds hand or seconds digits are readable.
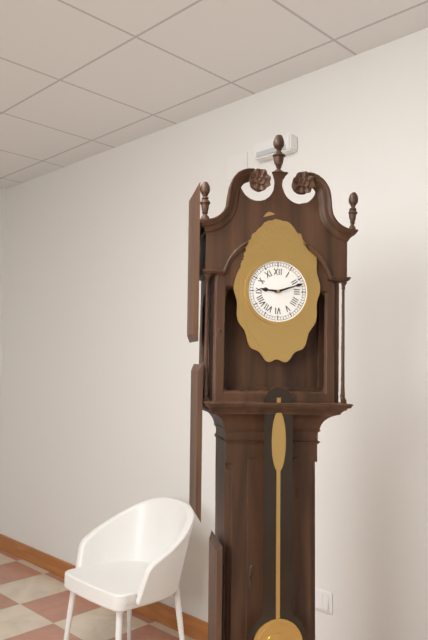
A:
9:12
